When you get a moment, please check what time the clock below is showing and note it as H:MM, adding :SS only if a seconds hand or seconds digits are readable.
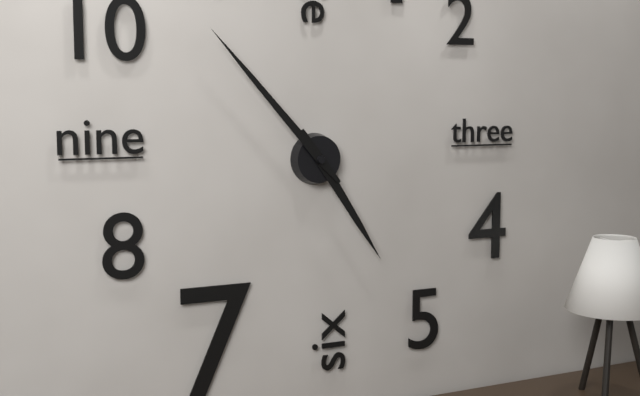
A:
4:53
